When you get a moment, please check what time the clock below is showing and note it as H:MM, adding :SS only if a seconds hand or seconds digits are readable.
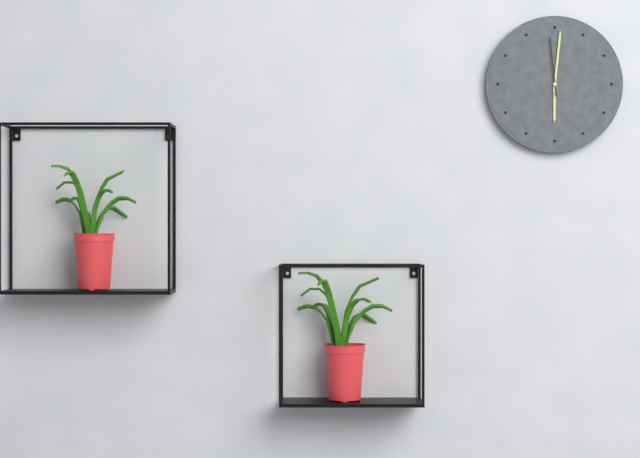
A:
6:01:59
